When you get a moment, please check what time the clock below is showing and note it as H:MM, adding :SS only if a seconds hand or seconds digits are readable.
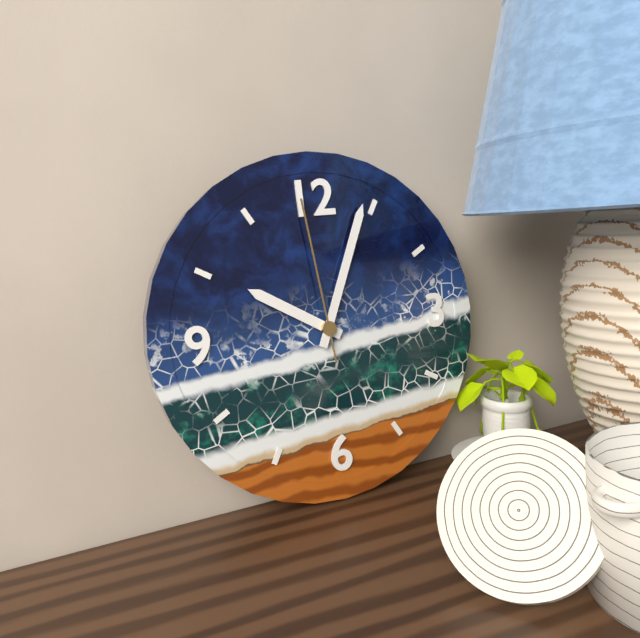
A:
10:04:59
